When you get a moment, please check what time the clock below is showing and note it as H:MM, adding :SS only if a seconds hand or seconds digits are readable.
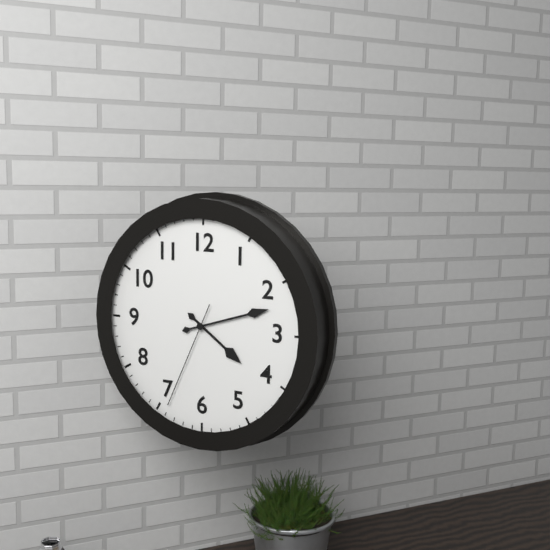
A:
4:12:34
